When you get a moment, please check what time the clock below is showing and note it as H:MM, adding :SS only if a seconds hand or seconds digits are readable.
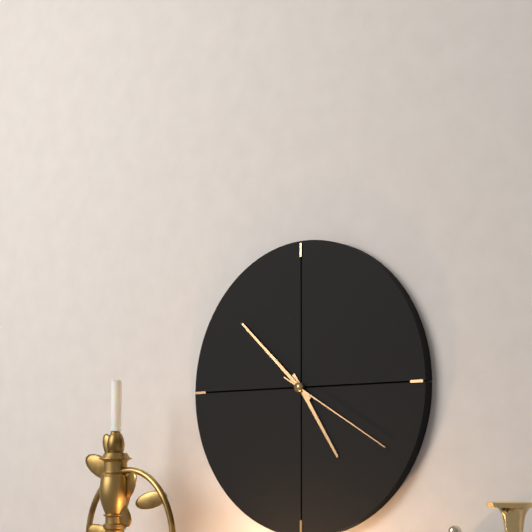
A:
4:52:20
